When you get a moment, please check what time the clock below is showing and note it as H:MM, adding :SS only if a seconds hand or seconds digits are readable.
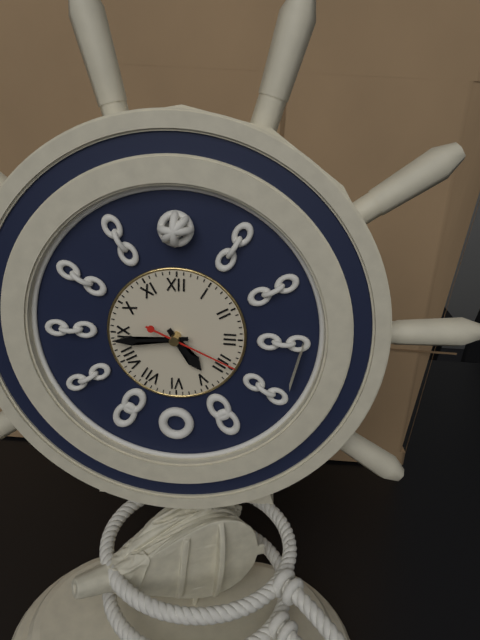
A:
4:44:19
